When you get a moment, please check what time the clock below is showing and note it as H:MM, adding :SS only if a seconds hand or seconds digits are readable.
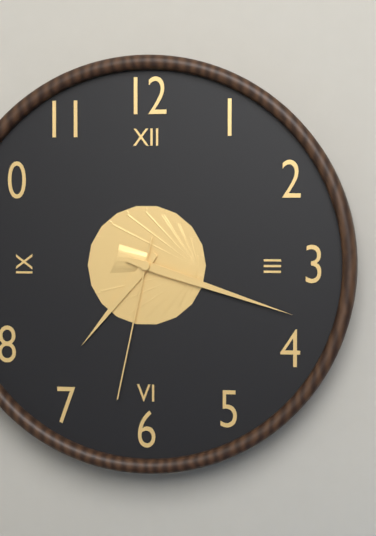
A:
7:18:32
